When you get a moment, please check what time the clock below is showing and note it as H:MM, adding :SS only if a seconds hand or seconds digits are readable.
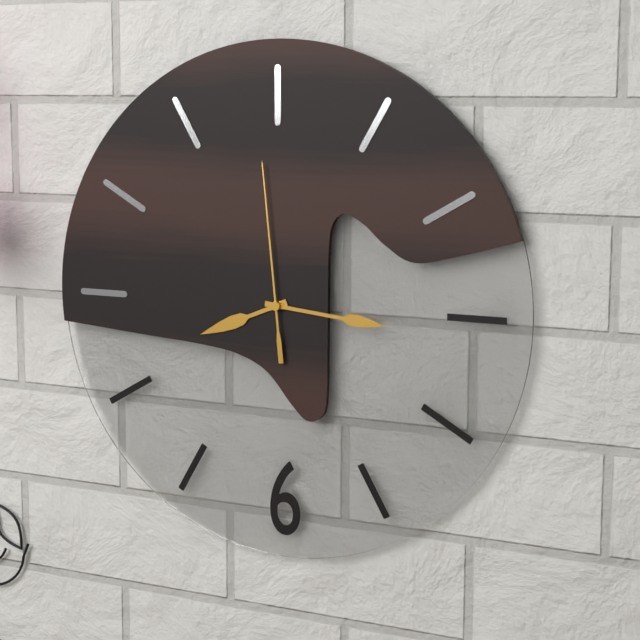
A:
8:16:59
